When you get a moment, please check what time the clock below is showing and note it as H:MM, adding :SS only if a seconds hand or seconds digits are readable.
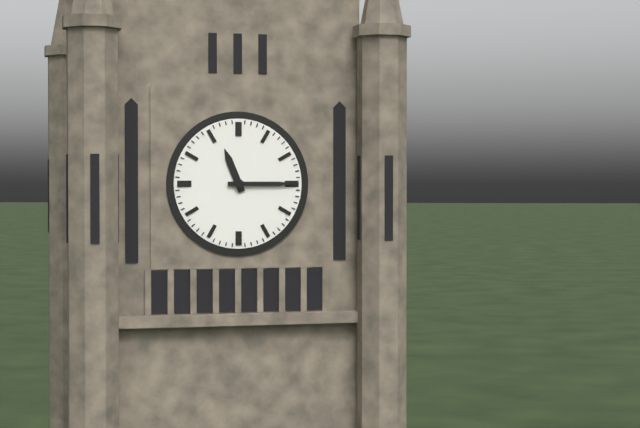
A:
11:15
